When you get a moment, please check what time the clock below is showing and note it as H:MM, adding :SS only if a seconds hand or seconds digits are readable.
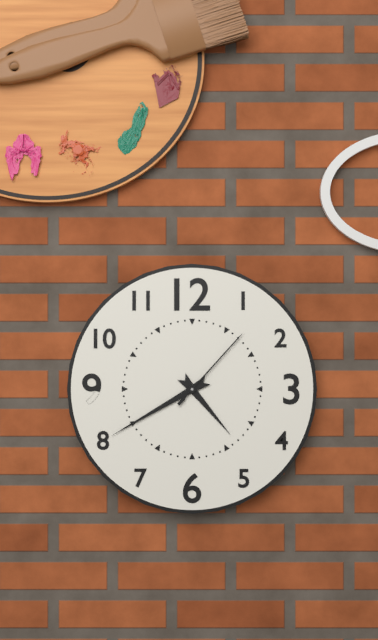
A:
4:40:07
